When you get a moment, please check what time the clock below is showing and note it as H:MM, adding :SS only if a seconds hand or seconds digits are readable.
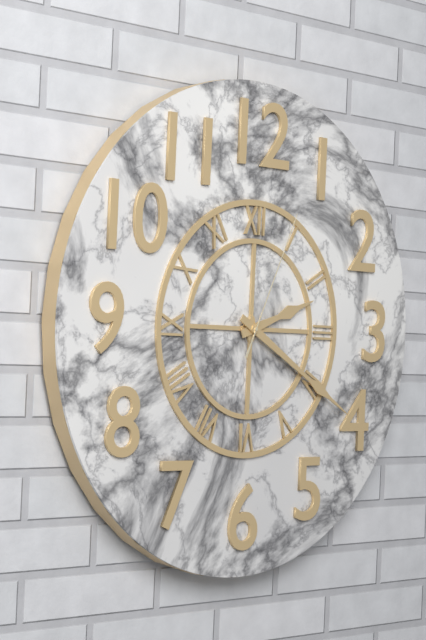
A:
2:20:04
